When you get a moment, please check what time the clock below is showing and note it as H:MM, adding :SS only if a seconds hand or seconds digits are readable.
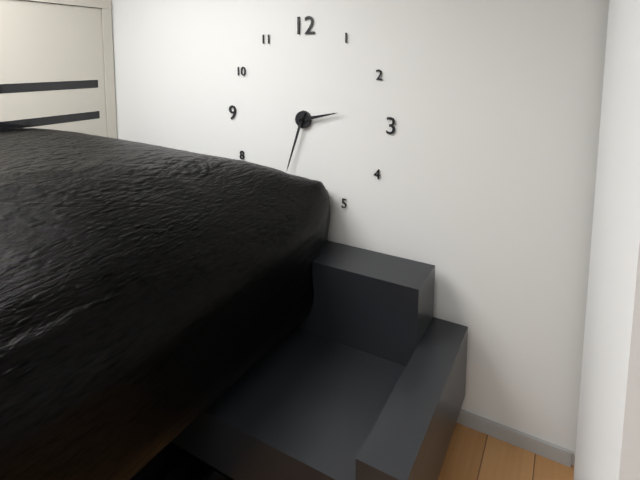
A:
2:33
